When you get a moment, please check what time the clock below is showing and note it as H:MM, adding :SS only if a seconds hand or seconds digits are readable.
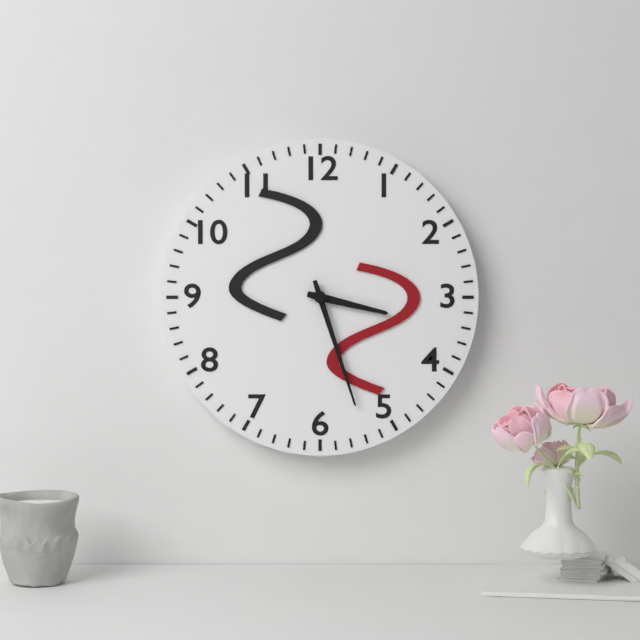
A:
3:27
